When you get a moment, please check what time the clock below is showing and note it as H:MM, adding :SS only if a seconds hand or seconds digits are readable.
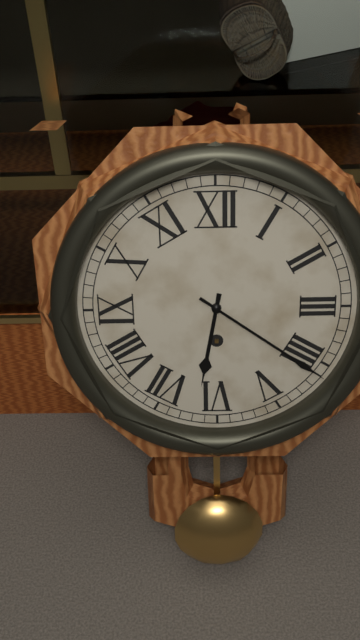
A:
6:21
